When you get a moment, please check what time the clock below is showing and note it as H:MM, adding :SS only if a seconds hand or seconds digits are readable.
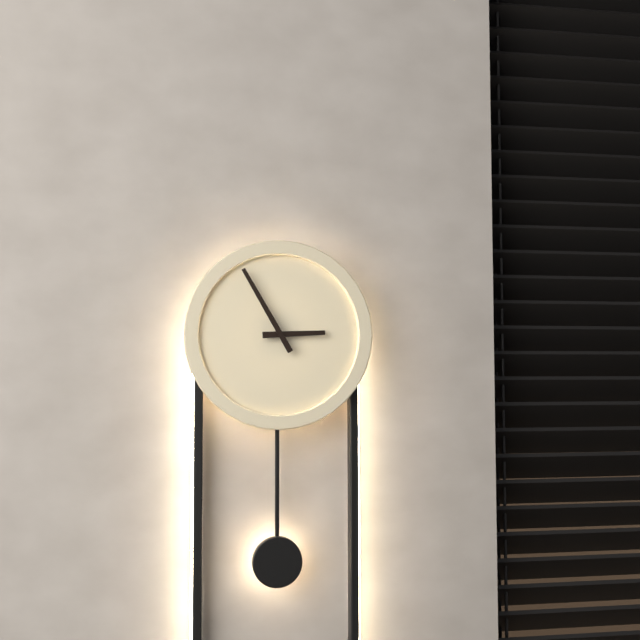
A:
2:55
